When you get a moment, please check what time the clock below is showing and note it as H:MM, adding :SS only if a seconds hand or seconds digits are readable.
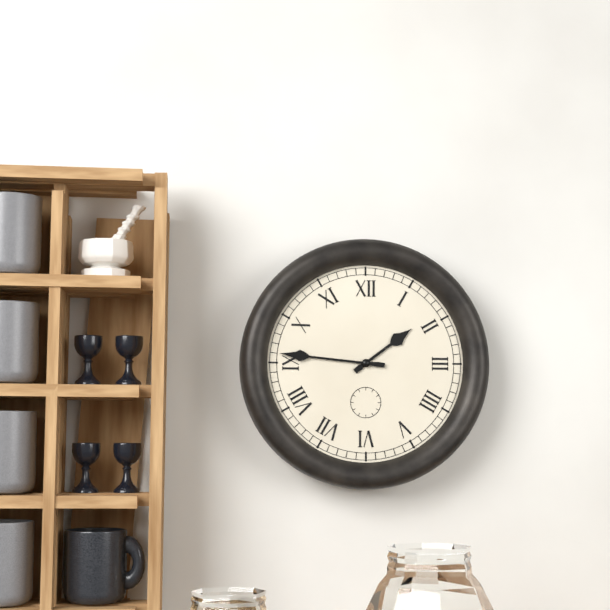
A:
1:46
